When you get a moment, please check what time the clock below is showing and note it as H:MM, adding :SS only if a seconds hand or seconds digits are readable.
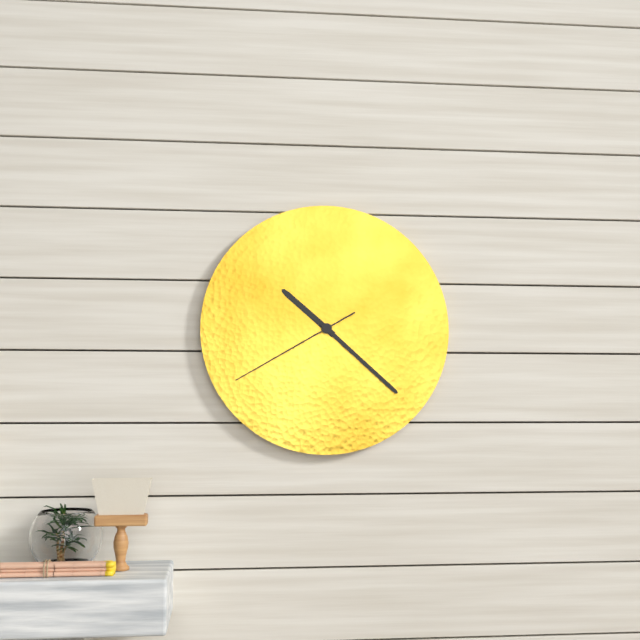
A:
10:22:40
